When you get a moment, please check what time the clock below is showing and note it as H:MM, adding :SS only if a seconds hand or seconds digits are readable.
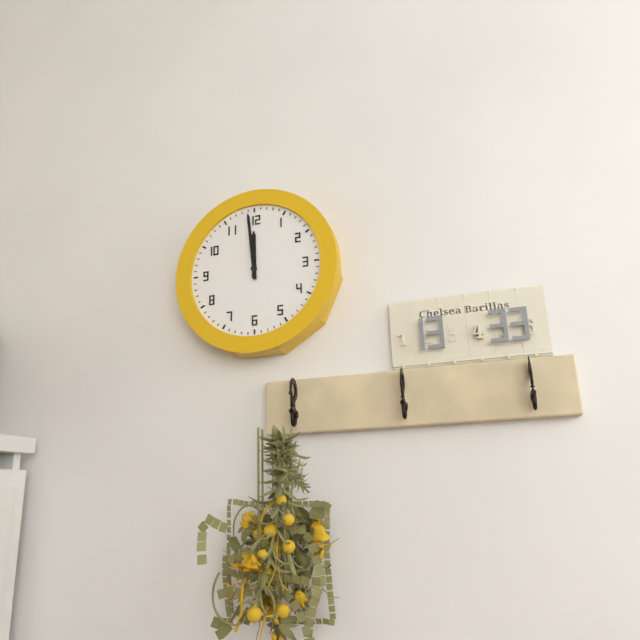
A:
11:59
